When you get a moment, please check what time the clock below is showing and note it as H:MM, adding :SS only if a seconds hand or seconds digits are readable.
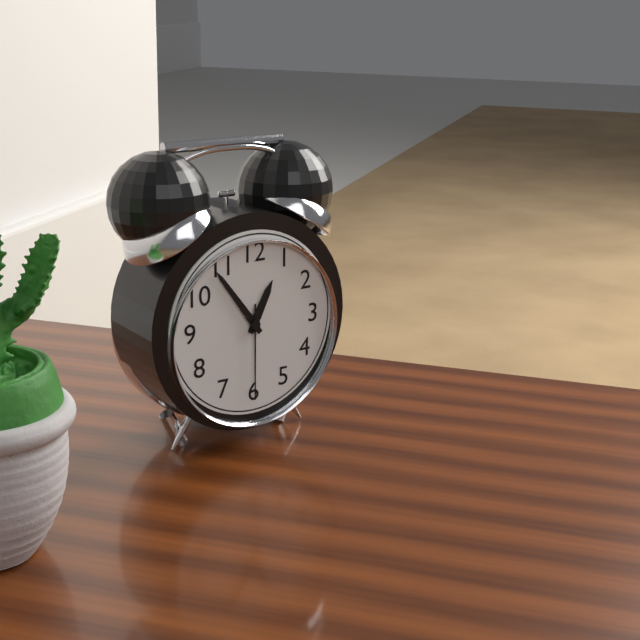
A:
12:54:30
